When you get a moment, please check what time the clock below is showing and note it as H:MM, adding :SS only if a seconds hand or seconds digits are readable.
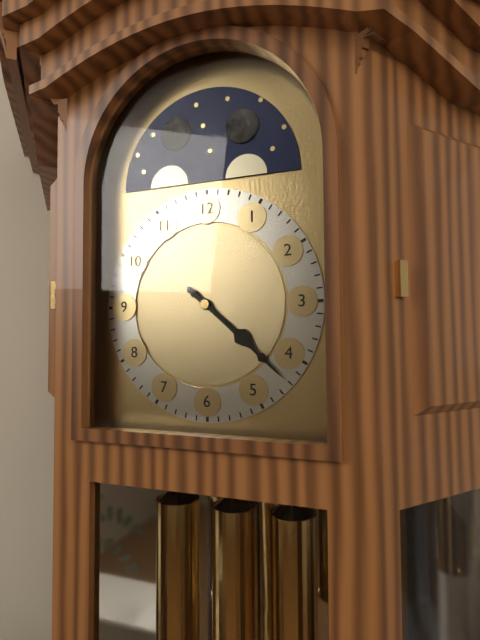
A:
4:22
